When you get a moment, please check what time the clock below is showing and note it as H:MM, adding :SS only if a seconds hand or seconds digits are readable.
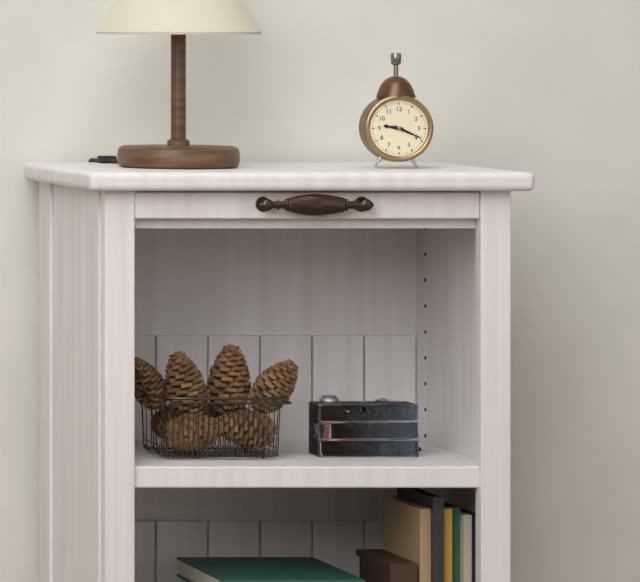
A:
9:19
